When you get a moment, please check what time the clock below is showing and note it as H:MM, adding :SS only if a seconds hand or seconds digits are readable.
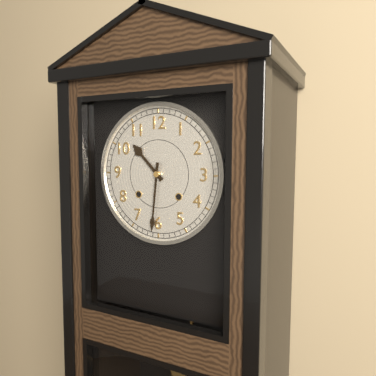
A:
10:31
